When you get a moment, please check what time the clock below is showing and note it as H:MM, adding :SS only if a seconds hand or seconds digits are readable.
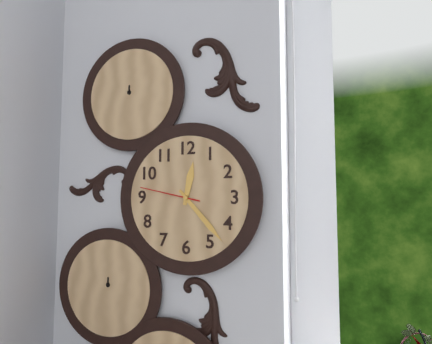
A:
12:23:47
